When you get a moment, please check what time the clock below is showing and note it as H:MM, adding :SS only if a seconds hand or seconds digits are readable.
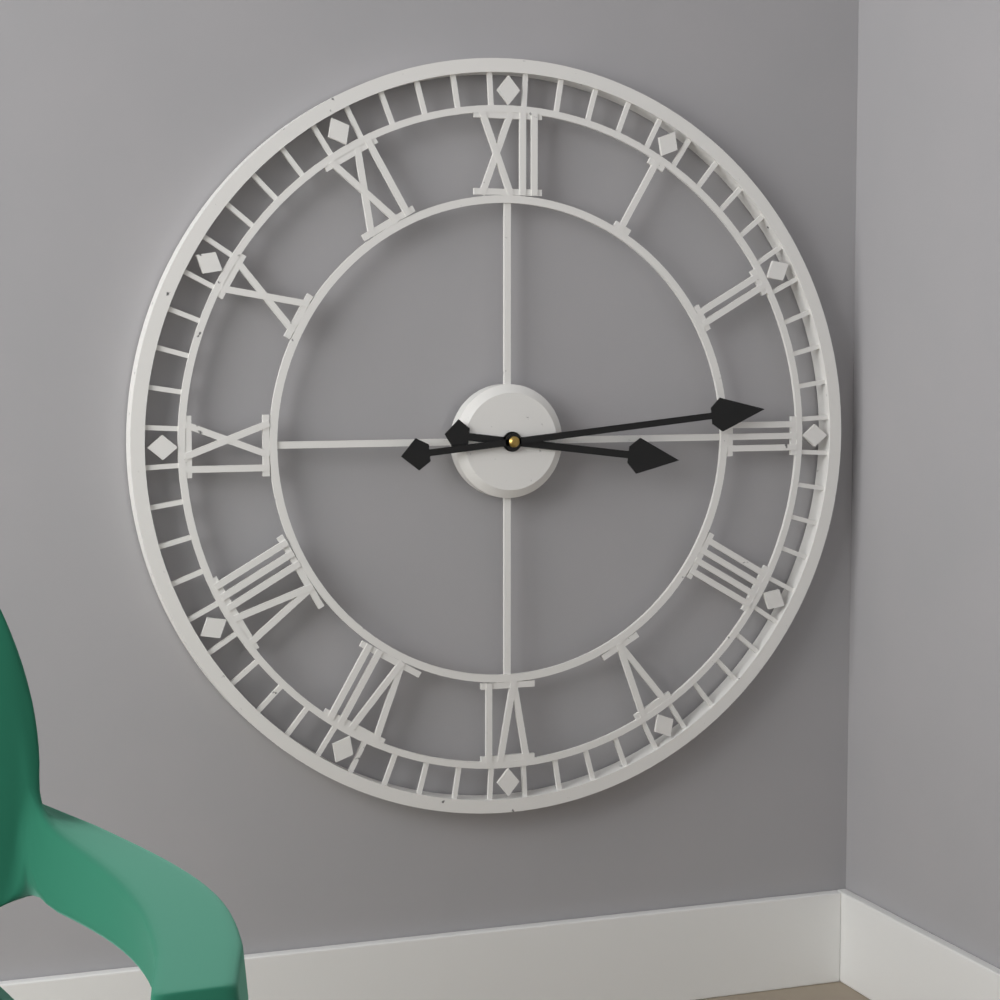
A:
3:14
